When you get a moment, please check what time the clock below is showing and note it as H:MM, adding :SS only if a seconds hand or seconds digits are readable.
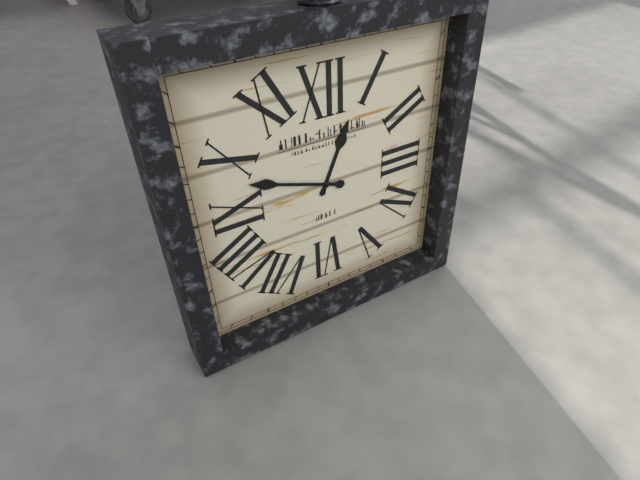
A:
12:48
